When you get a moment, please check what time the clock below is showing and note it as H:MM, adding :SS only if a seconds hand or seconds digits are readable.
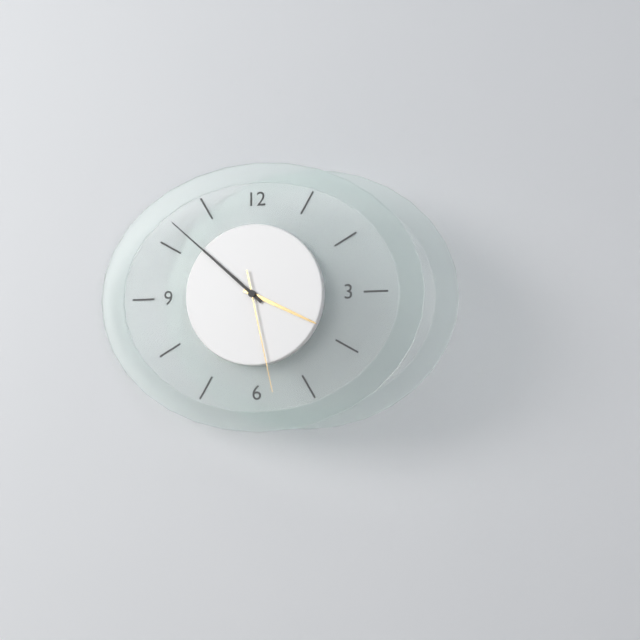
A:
3:52:28
